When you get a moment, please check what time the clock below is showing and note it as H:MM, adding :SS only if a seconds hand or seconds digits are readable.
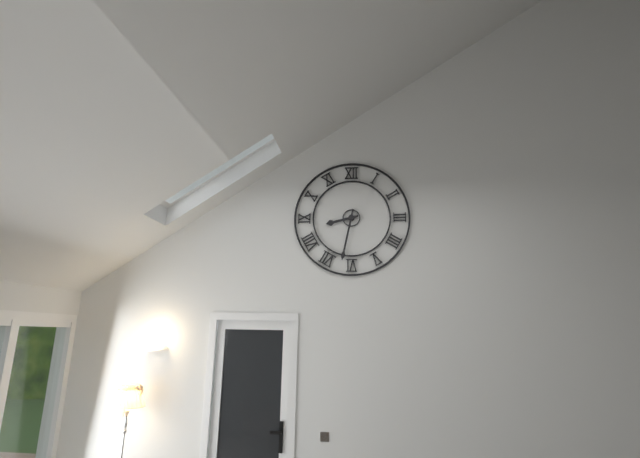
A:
8:32
